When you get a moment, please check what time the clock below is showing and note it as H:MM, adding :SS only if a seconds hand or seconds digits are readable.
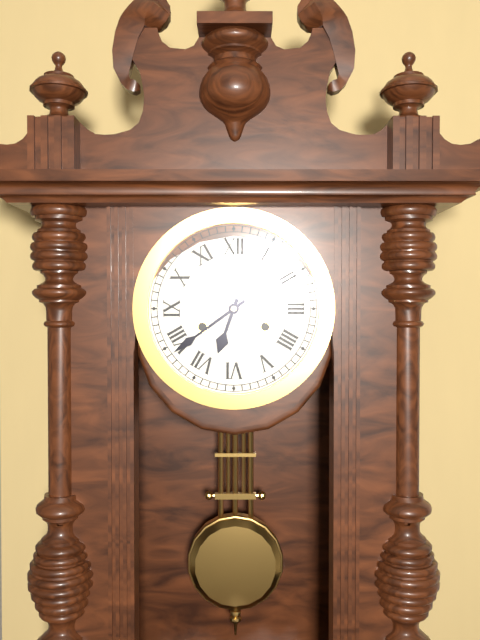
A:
6:39
